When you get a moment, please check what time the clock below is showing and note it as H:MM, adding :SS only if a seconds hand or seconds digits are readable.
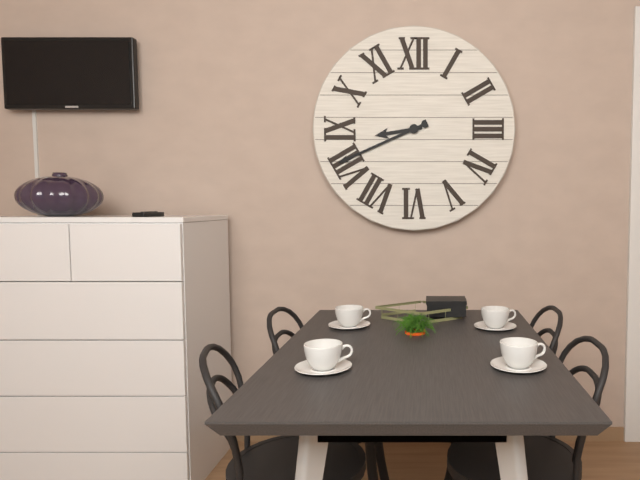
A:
8:41
